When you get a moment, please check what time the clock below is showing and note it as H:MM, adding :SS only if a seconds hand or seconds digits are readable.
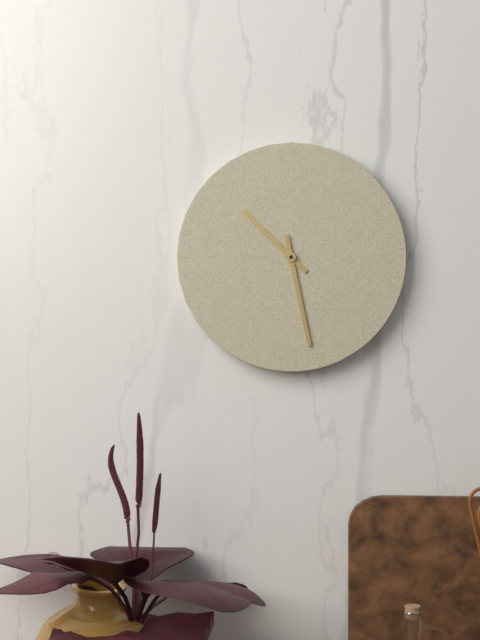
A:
10:28
